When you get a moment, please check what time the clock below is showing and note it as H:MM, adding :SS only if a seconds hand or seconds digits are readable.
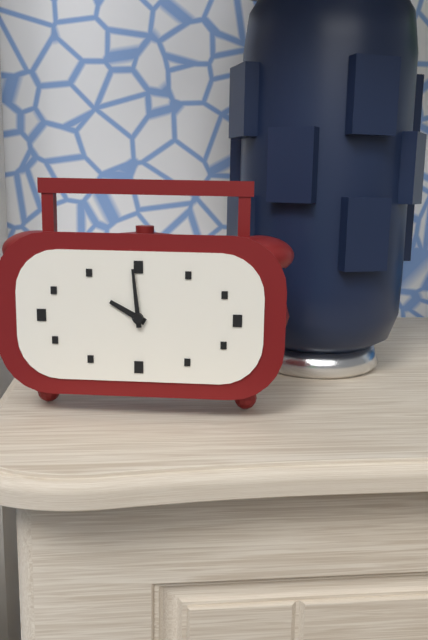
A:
9:59
